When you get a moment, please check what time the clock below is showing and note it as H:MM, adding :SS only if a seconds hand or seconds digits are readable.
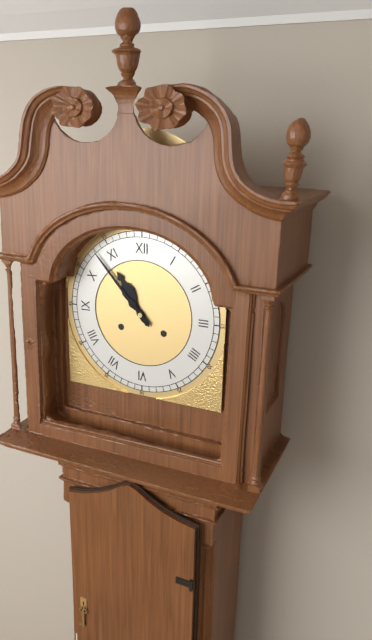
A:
10:53
